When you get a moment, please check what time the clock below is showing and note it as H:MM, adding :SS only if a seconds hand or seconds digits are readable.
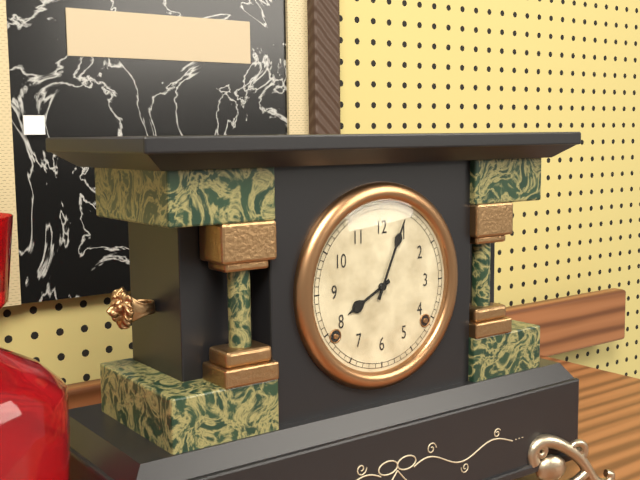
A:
8:04
